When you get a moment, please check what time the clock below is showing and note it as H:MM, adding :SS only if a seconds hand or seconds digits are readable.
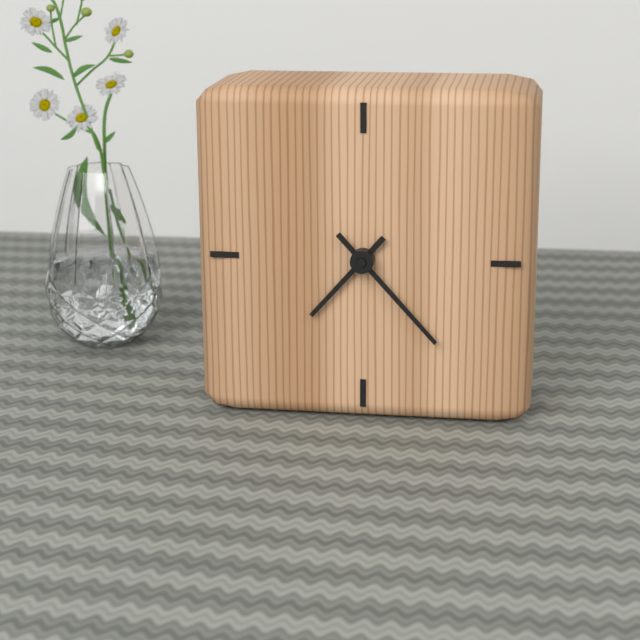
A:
7:23
